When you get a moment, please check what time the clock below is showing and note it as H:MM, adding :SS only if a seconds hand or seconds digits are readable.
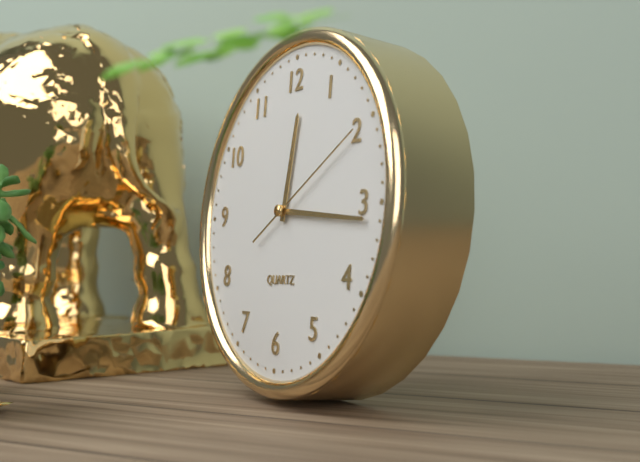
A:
12:16:10
